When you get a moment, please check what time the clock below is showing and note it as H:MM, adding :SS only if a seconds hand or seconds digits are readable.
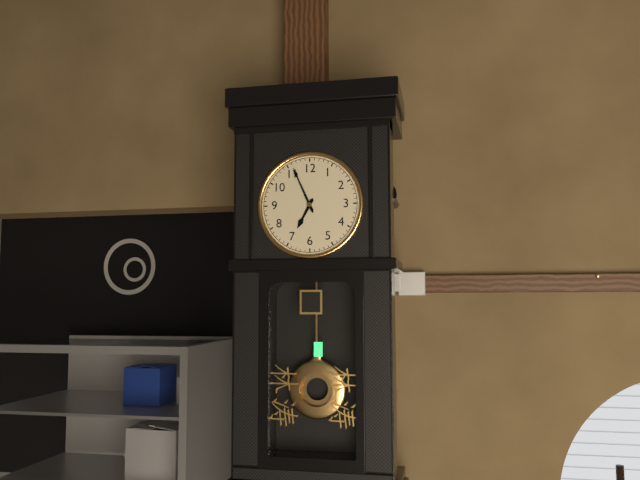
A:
6:56
